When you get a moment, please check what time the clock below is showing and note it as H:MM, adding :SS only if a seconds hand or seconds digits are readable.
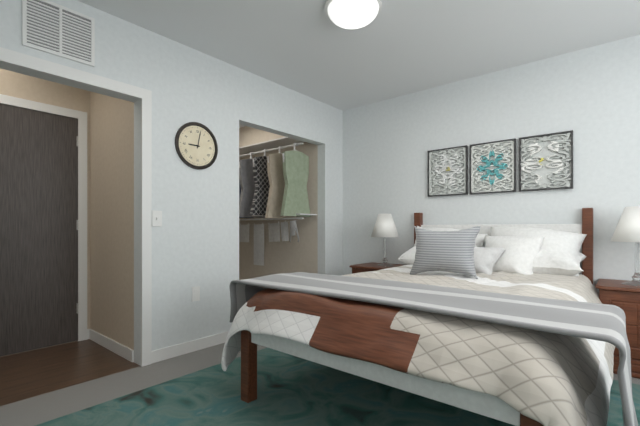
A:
9:02
